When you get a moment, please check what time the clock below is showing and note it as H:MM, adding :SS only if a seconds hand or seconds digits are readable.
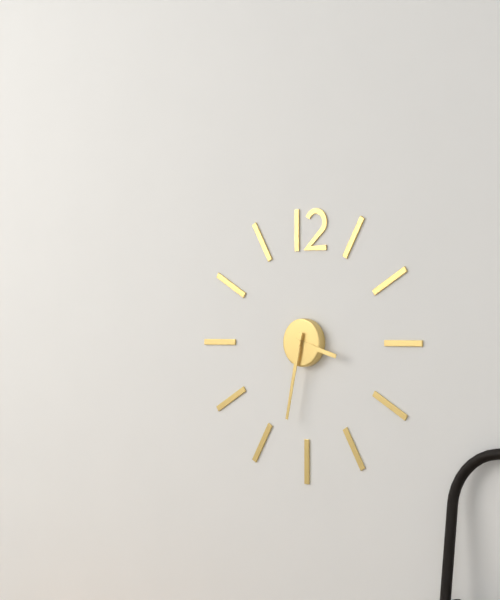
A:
3:32
